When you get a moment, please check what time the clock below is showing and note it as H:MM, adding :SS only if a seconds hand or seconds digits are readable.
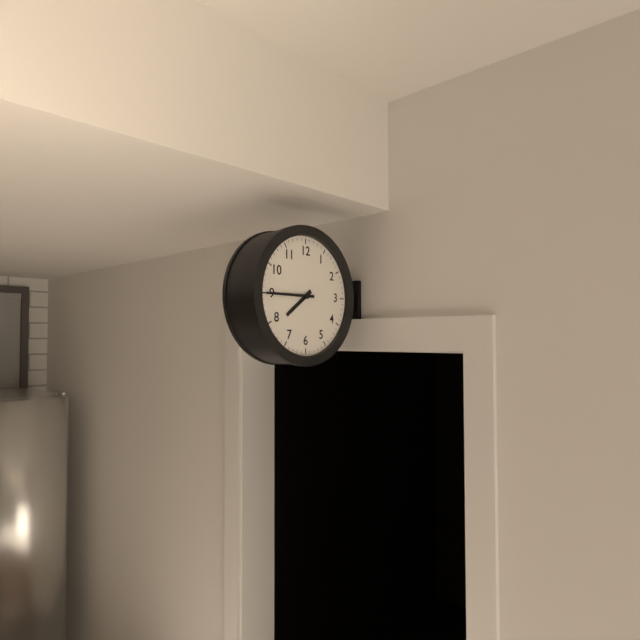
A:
7:45
